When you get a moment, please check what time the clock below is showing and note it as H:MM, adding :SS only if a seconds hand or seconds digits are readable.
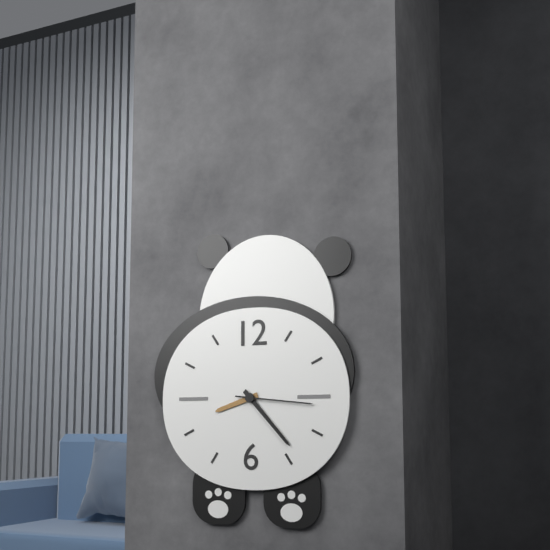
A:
8:23:16
